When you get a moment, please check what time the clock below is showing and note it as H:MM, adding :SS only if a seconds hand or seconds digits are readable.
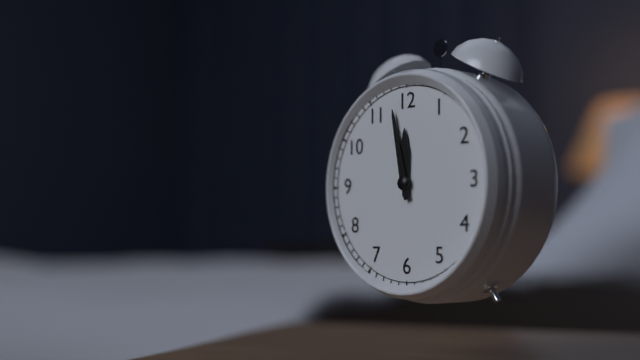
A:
11:58
